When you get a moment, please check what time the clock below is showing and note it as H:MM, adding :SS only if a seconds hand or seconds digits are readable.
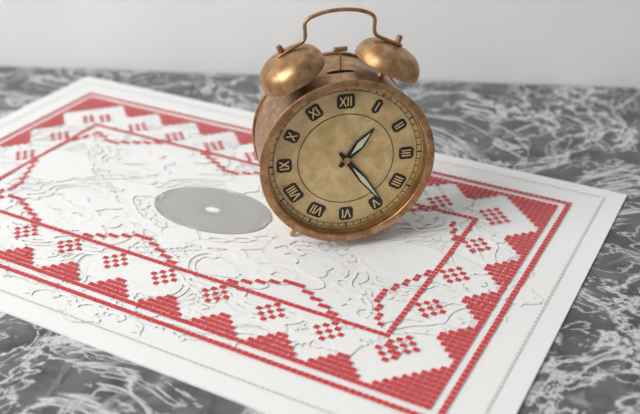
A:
1:24
